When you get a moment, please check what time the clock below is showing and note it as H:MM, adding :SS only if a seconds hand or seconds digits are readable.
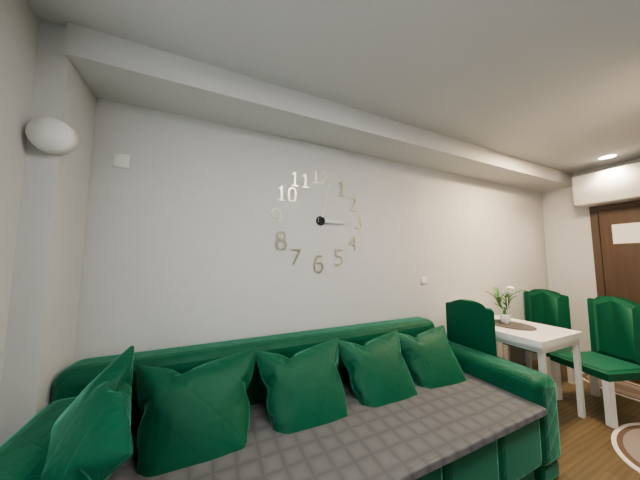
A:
3:02
